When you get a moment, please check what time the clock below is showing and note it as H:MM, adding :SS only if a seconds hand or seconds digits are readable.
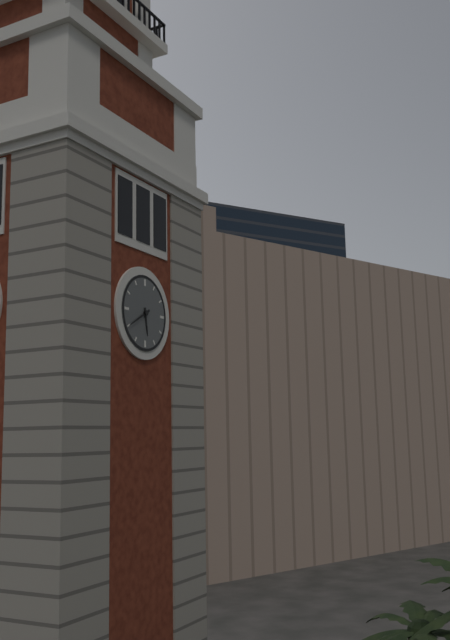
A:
5:40
